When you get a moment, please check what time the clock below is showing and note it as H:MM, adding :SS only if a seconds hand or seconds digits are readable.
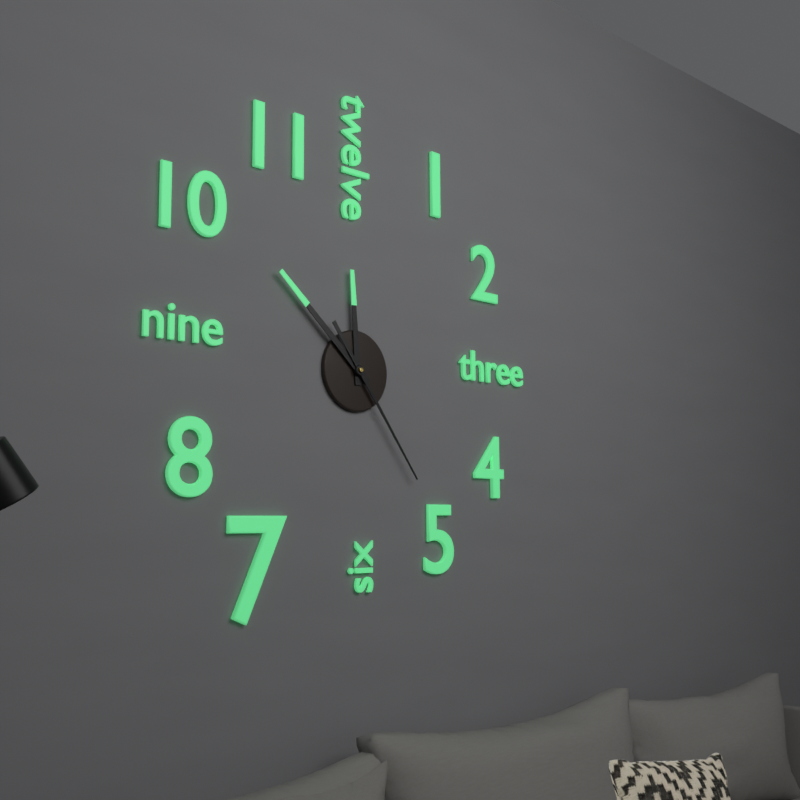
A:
11:52:24
